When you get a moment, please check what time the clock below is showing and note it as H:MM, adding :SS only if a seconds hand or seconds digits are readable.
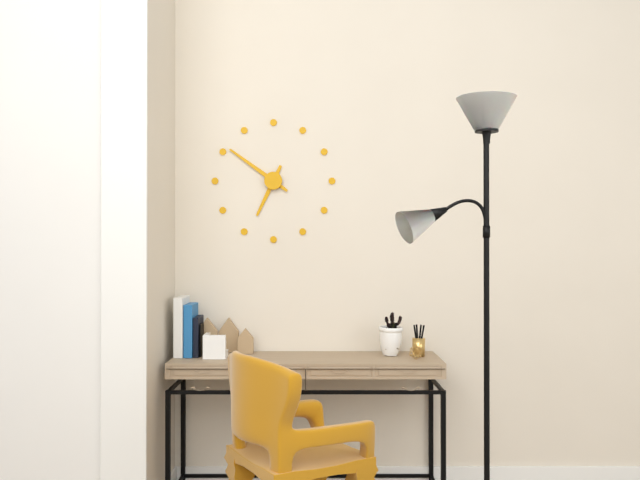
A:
6:51
